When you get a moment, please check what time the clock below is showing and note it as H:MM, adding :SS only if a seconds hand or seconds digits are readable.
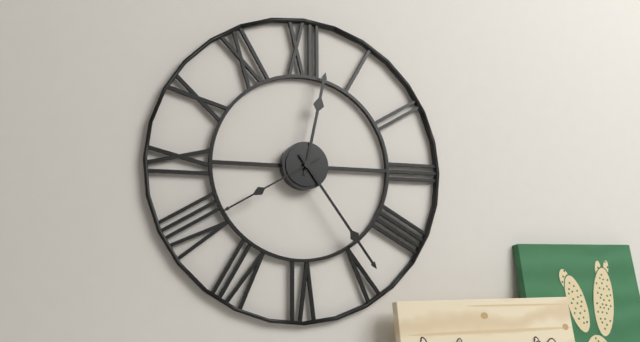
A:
12:24:40
